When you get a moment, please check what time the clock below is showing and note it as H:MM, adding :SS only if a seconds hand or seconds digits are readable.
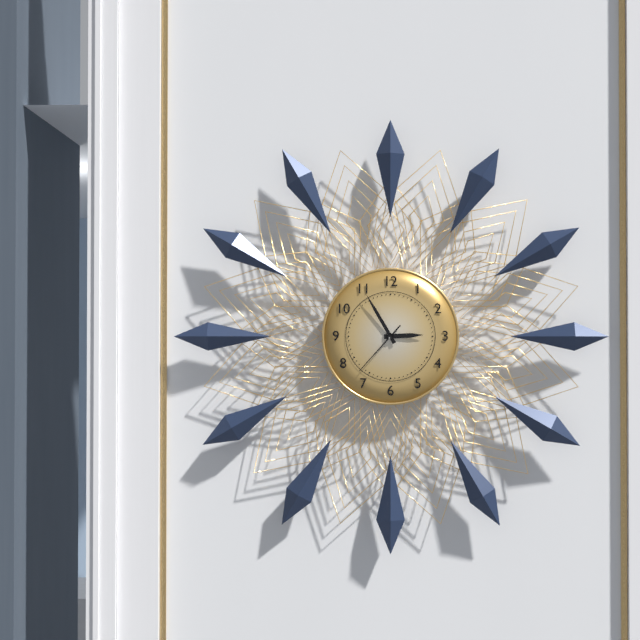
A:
2:55:37
